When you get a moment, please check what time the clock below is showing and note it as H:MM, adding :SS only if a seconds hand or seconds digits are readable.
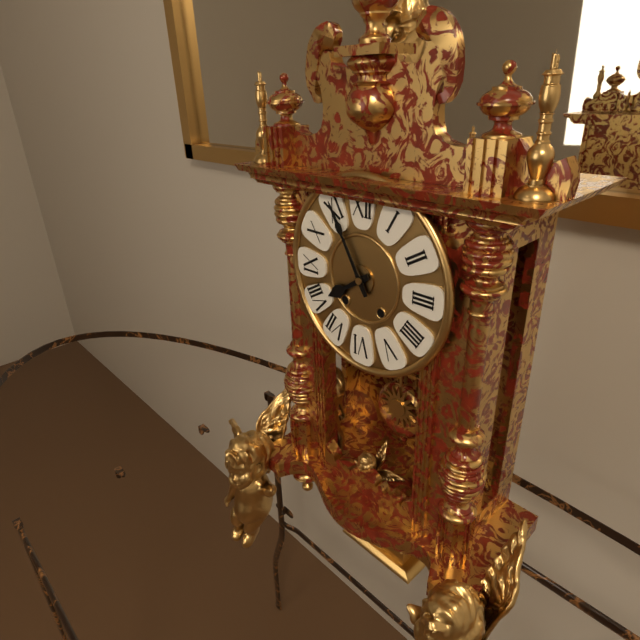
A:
7:55
